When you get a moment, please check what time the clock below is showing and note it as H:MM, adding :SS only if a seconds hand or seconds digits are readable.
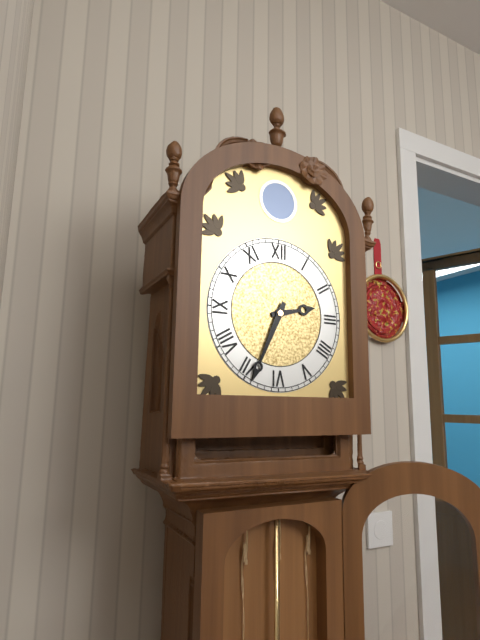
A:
2:34
